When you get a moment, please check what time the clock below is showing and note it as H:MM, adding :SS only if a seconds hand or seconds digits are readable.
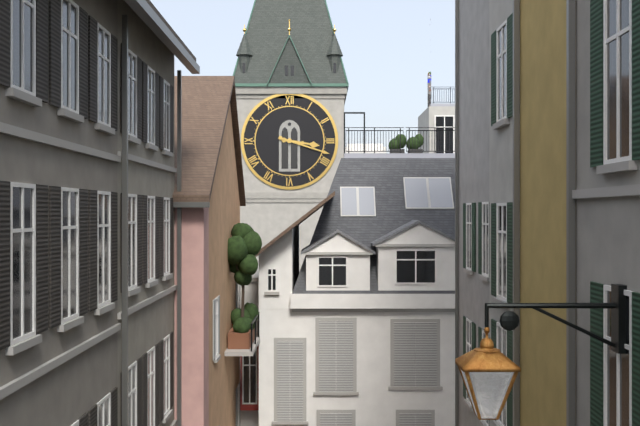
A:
3:18
